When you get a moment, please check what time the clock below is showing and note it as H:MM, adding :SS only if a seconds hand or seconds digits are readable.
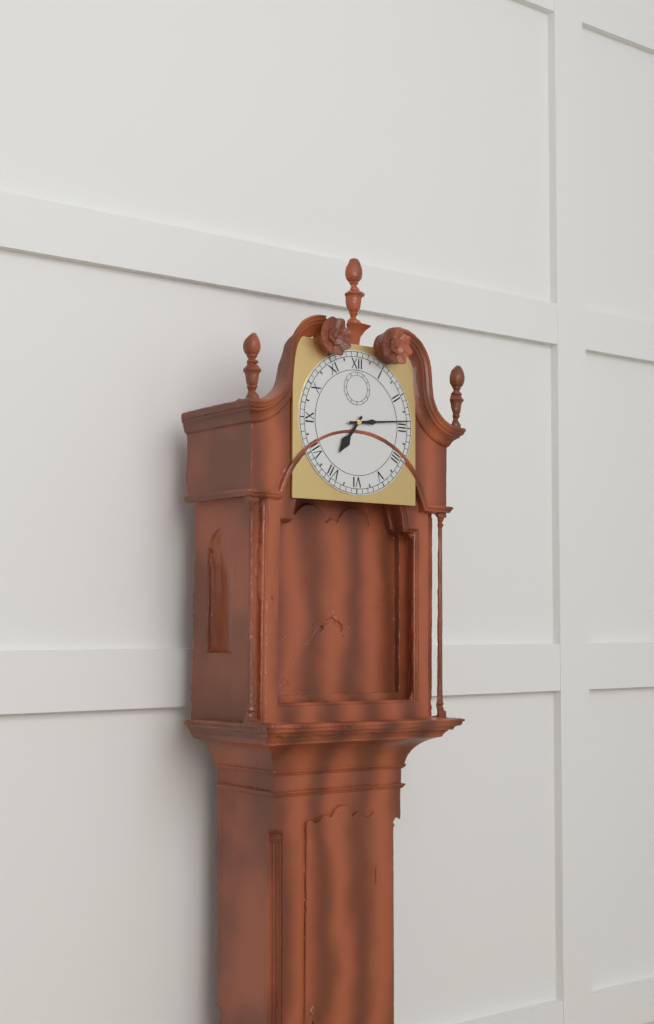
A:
7:14
